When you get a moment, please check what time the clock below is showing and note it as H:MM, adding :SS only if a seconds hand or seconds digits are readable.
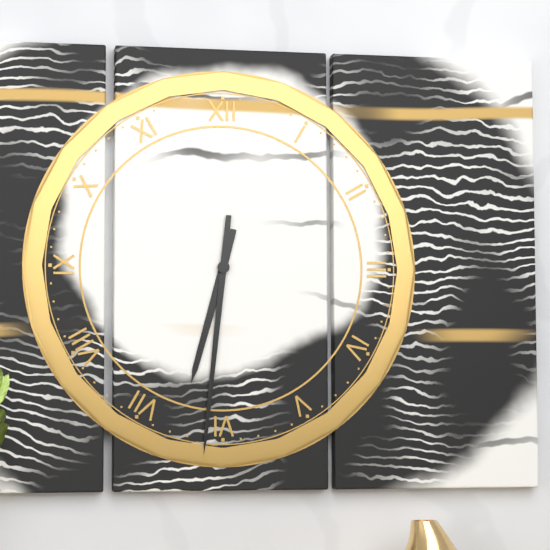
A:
6:31
